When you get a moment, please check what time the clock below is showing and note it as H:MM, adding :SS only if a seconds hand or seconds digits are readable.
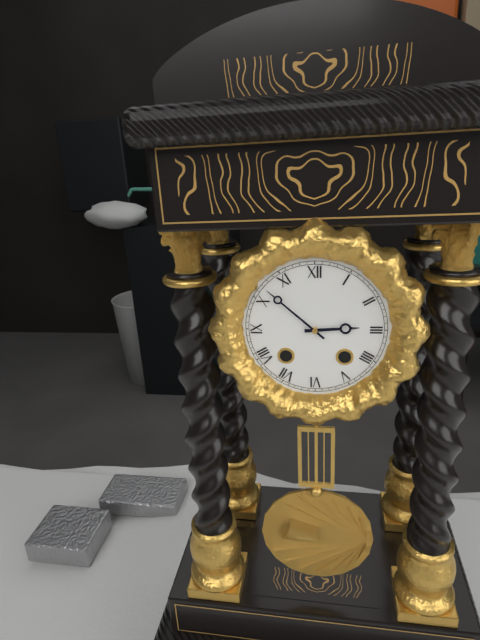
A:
2:52
